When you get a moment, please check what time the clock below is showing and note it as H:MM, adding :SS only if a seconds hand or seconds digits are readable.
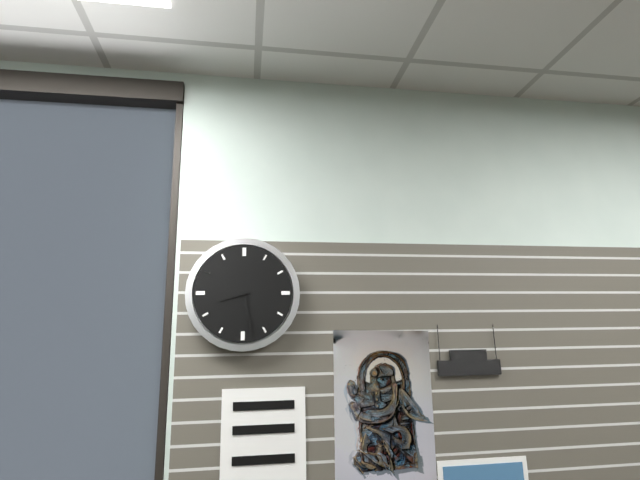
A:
8:28
